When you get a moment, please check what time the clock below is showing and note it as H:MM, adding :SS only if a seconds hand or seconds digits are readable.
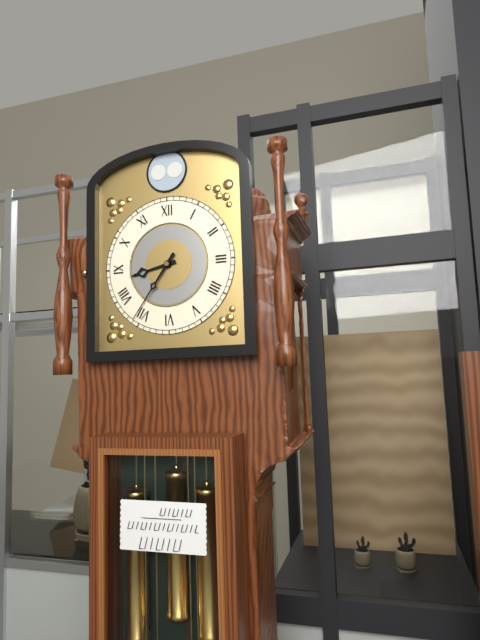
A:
8:36
